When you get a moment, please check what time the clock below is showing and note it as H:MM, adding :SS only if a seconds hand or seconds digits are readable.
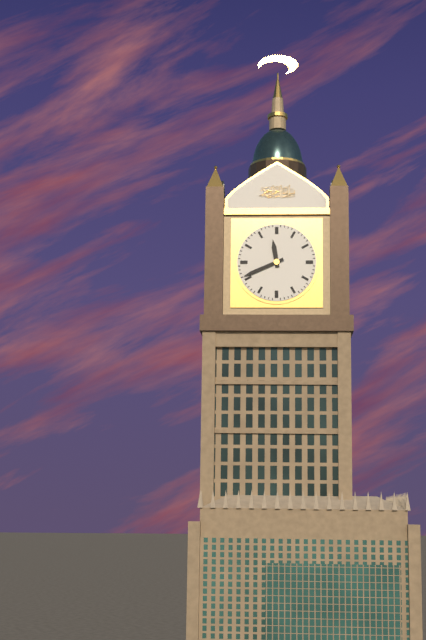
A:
11:41
